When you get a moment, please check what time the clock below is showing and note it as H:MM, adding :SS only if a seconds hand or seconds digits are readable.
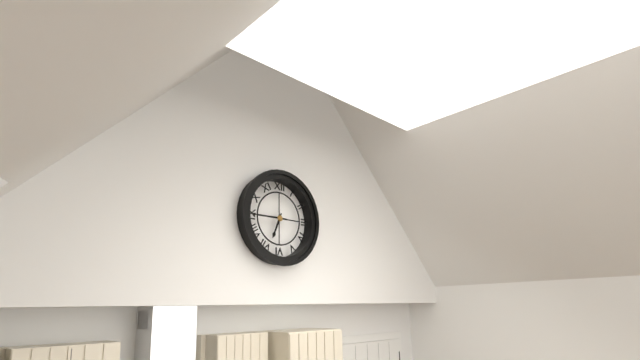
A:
6:45
